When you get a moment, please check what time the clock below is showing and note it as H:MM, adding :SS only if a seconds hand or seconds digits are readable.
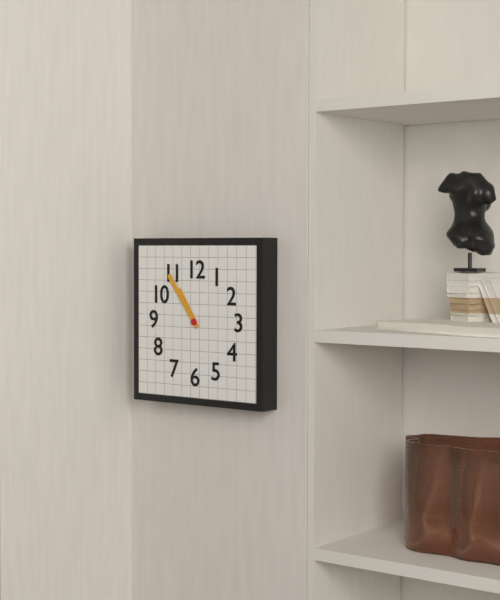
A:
10:54
